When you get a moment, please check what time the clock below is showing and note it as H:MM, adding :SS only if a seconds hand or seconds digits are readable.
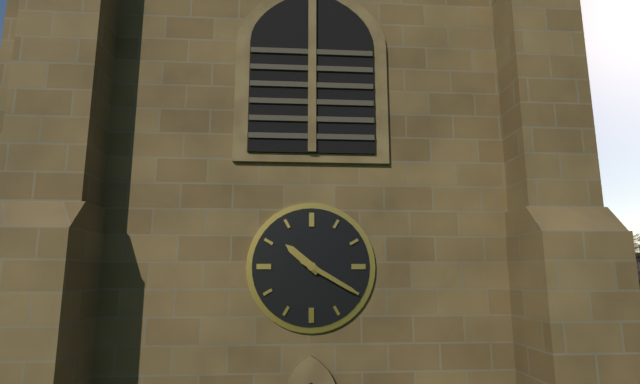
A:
10:20
